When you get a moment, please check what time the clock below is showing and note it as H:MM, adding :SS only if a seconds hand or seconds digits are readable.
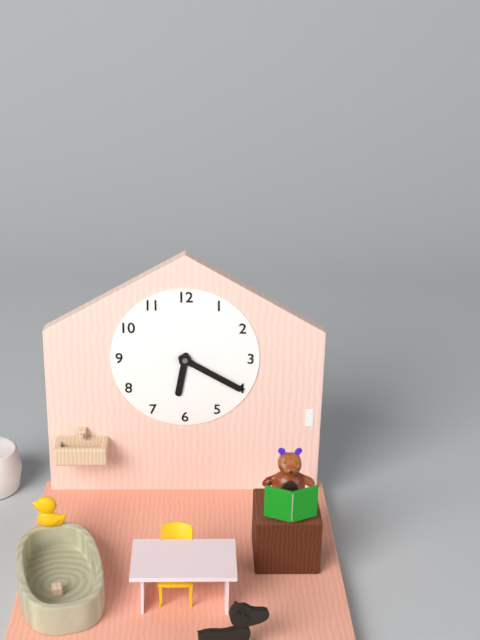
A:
6:20
